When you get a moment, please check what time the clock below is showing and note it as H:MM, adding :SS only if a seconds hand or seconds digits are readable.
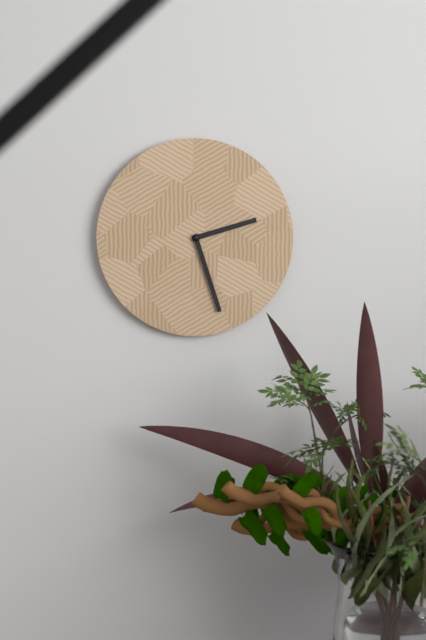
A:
2:27
